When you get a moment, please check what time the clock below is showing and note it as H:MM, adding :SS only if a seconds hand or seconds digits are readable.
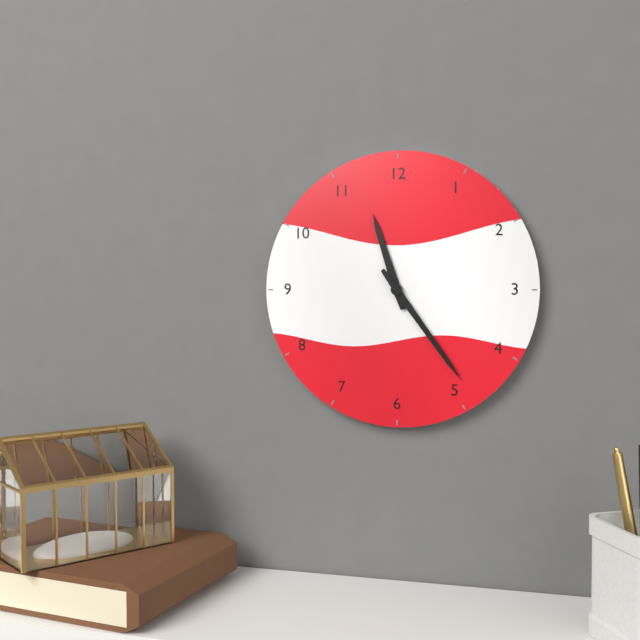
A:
11:24
